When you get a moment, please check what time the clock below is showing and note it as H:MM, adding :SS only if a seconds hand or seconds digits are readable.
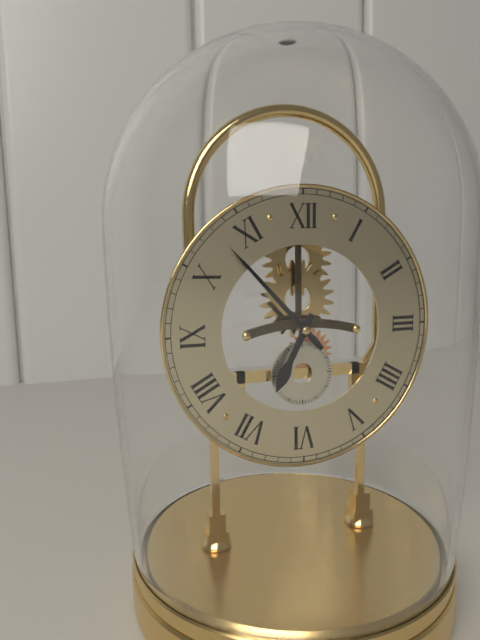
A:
6:53
